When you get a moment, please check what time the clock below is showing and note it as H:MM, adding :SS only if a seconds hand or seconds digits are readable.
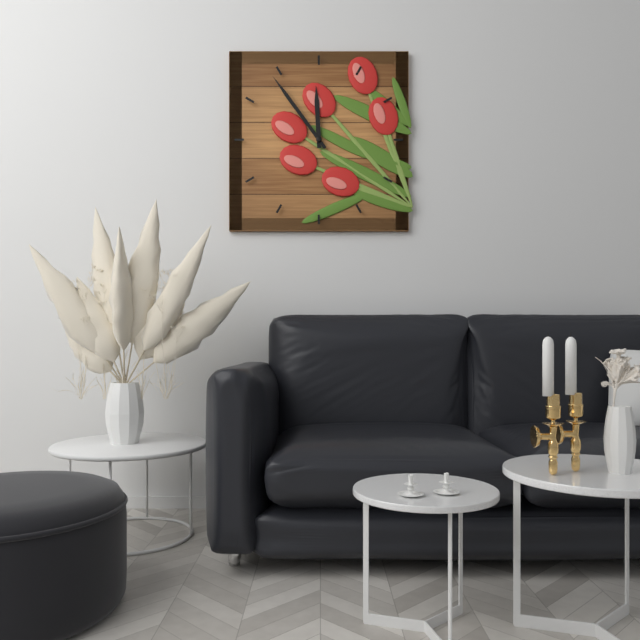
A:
11:54
